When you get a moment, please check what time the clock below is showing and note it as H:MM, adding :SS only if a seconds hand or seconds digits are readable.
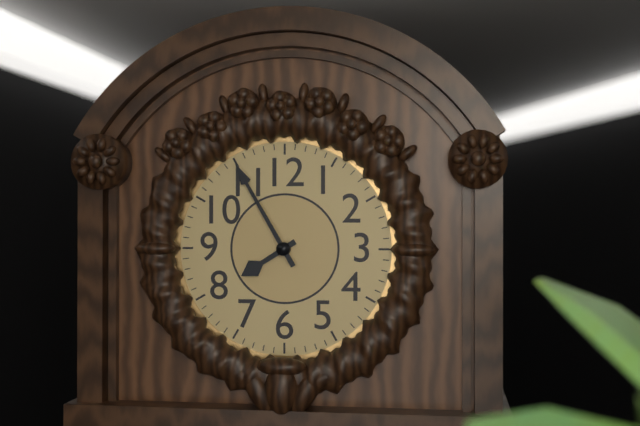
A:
7:55
